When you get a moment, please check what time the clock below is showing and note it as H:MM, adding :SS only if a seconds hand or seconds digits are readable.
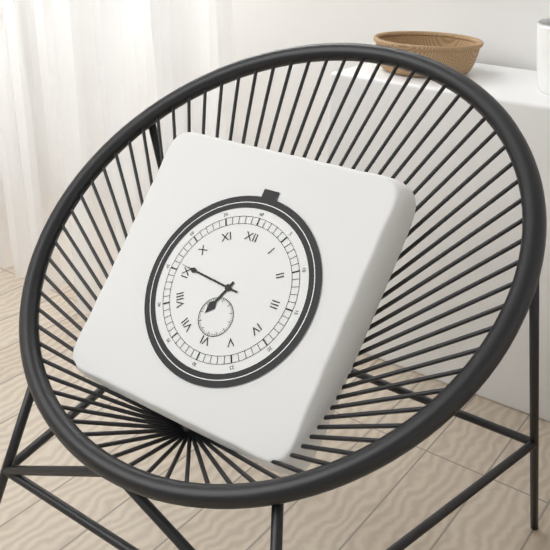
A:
6:46
